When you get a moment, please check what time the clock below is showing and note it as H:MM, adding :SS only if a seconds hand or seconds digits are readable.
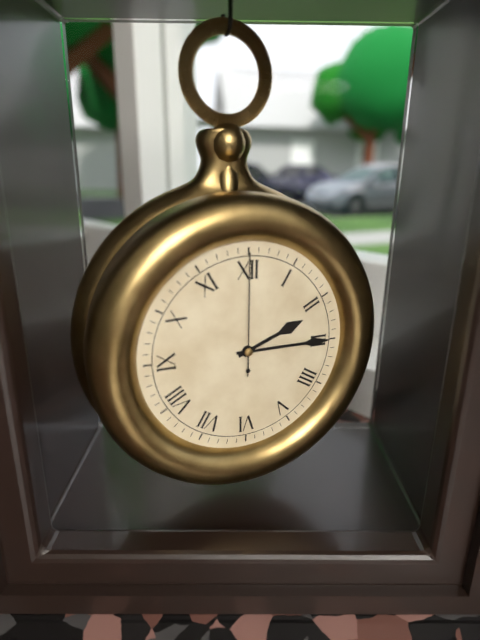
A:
2:15:00
